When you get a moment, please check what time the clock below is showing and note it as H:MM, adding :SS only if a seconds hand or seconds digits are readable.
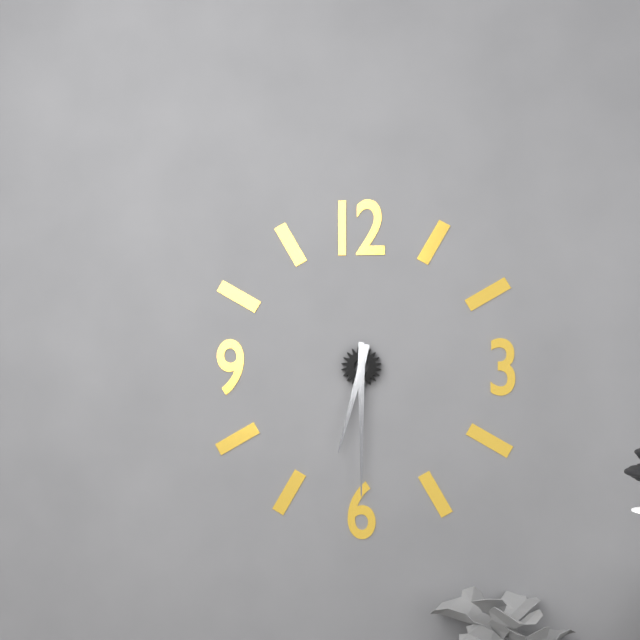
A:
6:30
